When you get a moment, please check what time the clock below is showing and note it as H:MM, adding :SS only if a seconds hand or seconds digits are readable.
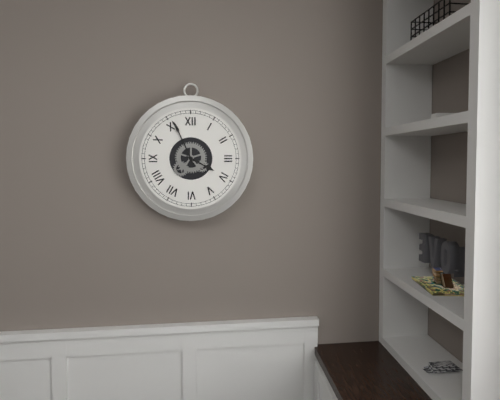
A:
3:56
